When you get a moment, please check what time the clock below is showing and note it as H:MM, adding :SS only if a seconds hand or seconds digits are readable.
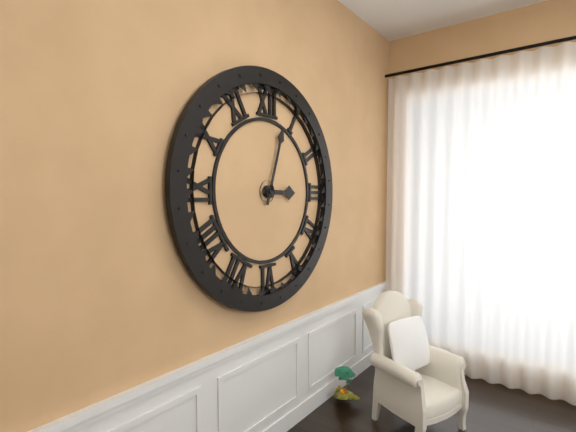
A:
3:03
